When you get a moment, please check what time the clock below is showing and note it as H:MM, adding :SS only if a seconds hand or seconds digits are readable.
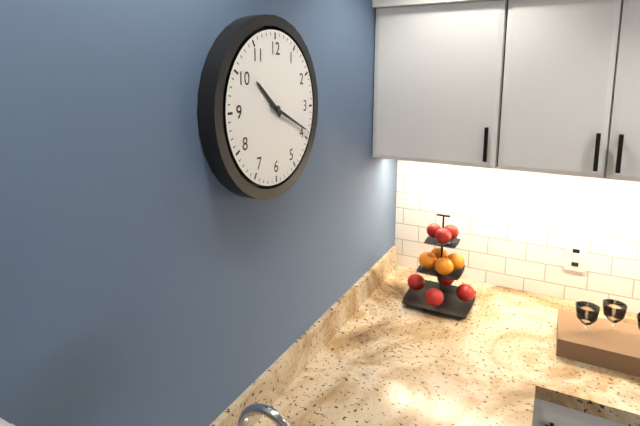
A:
10:19
